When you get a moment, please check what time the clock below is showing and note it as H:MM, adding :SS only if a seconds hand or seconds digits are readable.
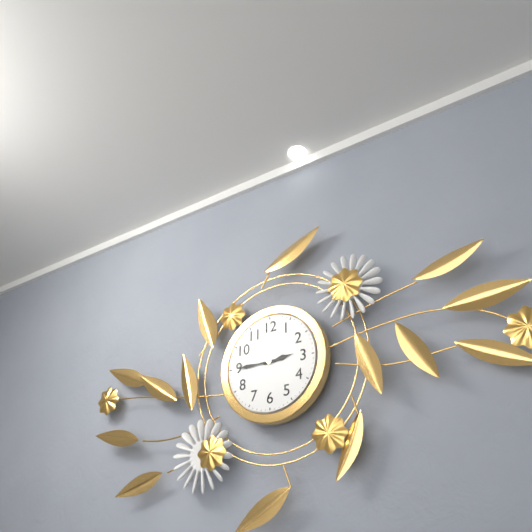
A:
2:45
